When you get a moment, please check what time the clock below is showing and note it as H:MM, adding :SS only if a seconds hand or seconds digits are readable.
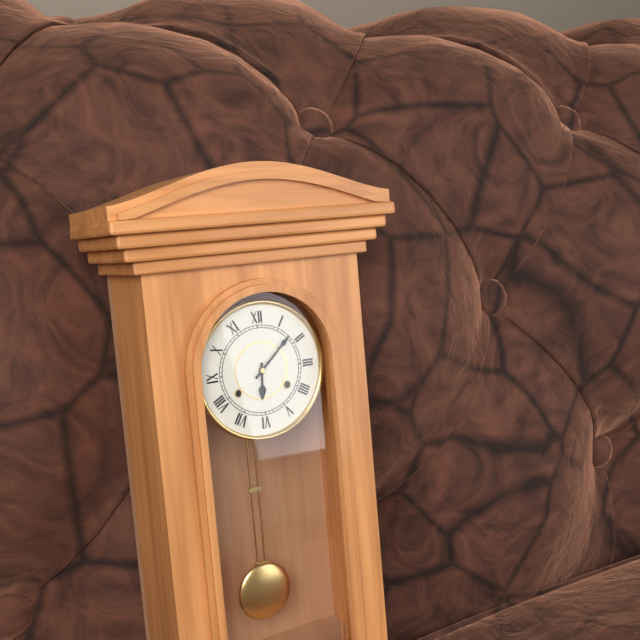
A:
6:08
